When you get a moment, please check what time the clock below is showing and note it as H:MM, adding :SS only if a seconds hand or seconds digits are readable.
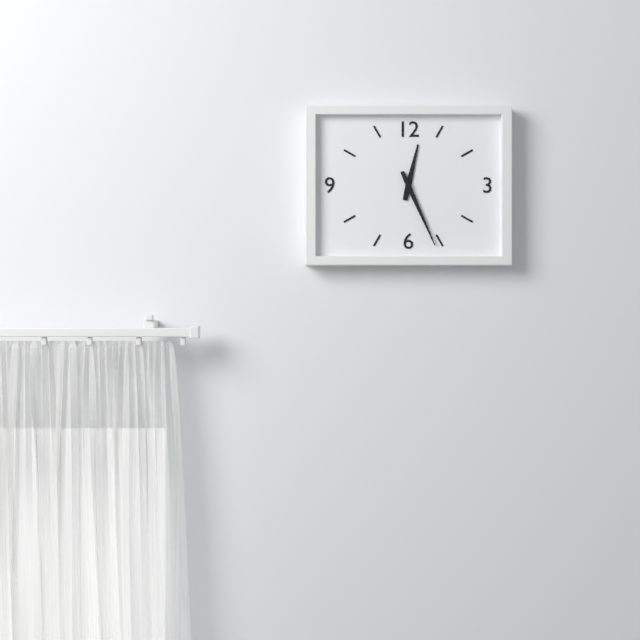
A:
12:26
